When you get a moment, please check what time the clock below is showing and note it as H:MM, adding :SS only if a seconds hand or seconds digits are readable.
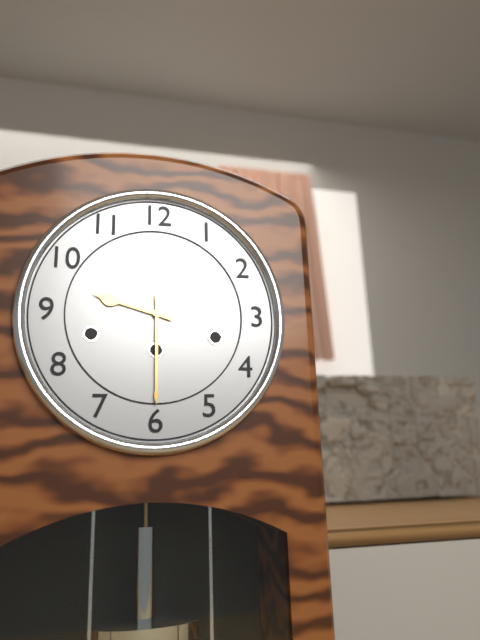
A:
9:30
